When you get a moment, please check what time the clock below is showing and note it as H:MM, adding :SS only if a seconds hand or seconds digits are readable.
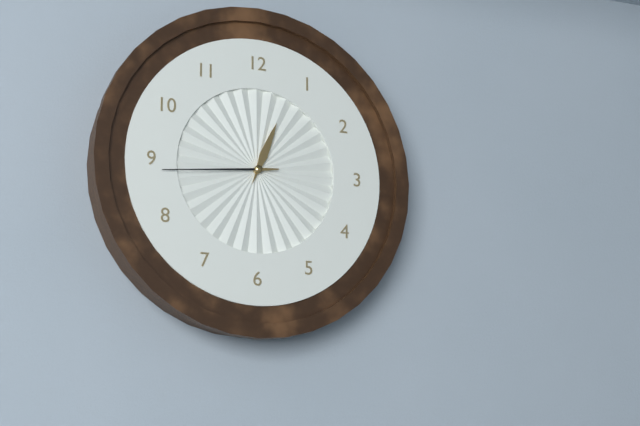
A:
12:44
